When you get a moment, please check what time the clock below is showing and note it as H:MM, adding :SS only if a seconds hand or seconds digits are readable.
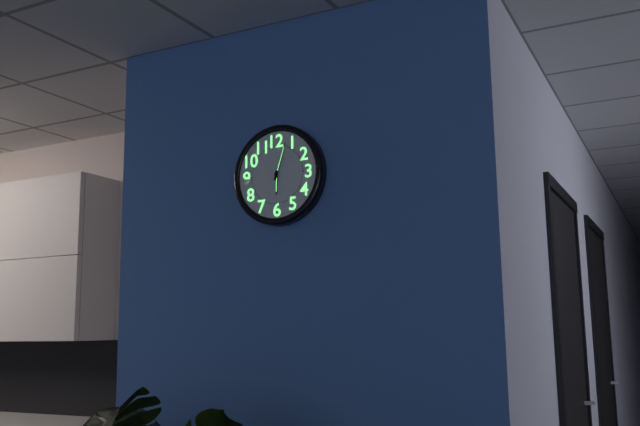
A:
6:03
